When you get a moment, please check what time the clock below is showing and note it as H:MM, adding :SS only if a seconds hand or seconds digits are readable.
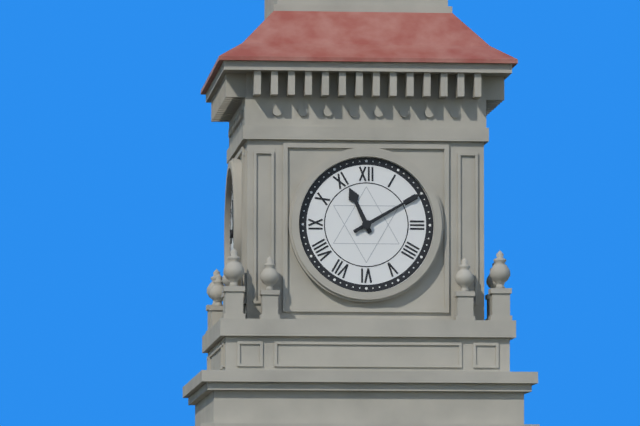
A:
11:10
